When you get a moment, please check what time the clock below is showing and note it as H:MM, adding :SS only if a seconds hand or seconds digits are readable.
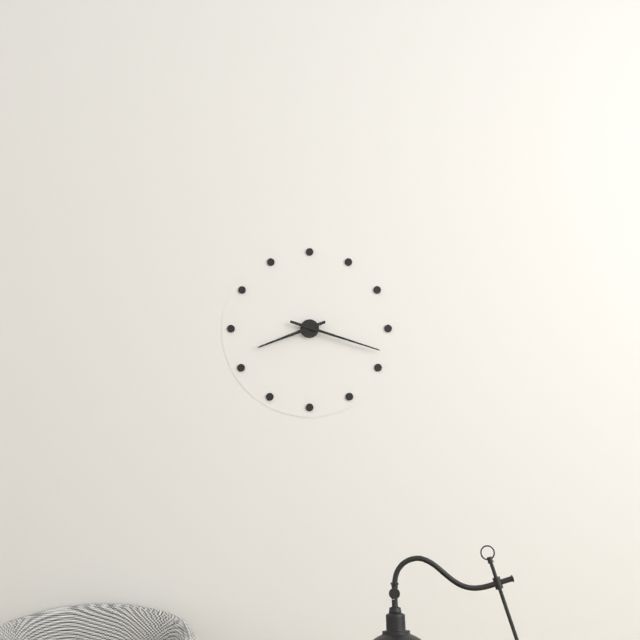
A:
8:18
